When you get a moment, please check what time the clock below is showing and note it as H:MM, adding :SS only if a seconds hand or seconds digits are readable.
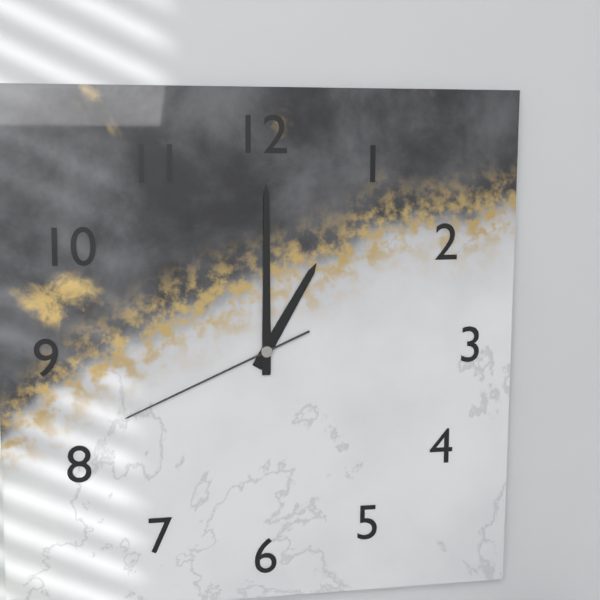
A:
1:00:41
